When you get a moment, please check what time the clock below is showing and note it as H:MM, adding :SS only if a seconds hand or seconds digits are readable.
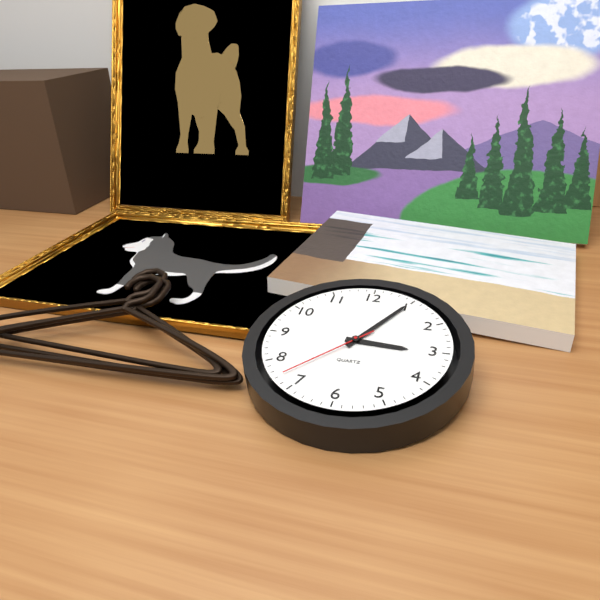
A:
3:05:37
